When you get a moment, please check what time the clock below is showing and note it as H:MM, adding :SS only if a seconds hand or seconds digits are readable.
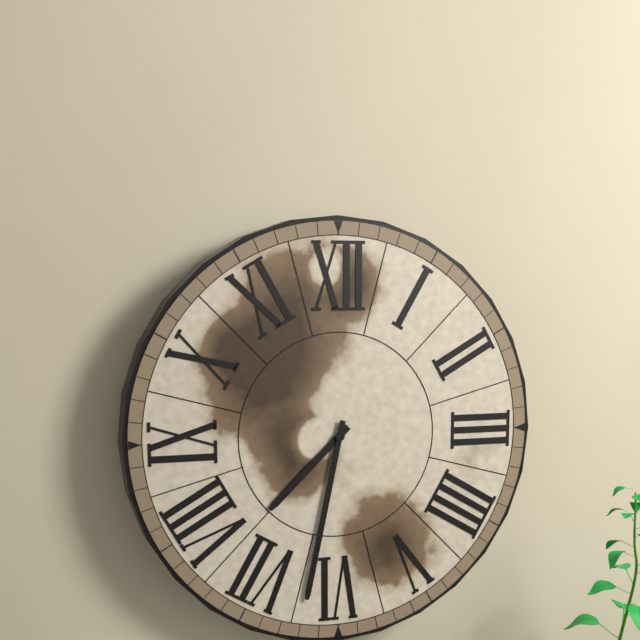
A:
7:32
